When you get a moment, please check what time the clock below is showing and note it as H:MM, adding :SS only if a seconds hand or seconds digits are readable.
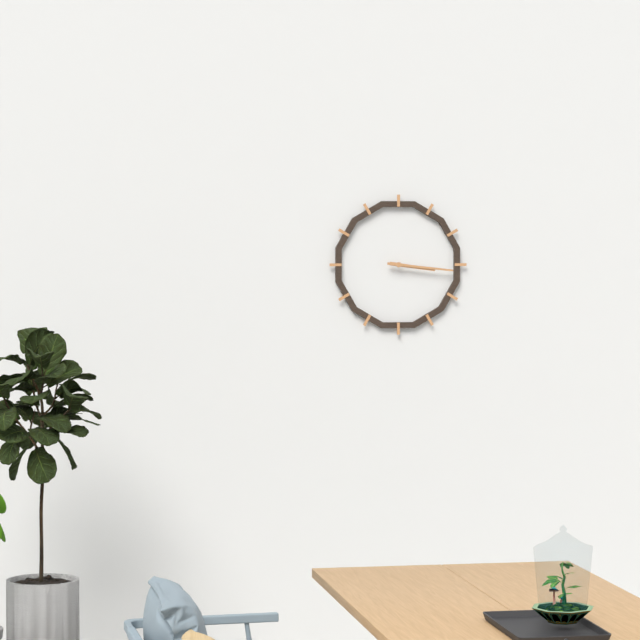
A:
3:16
